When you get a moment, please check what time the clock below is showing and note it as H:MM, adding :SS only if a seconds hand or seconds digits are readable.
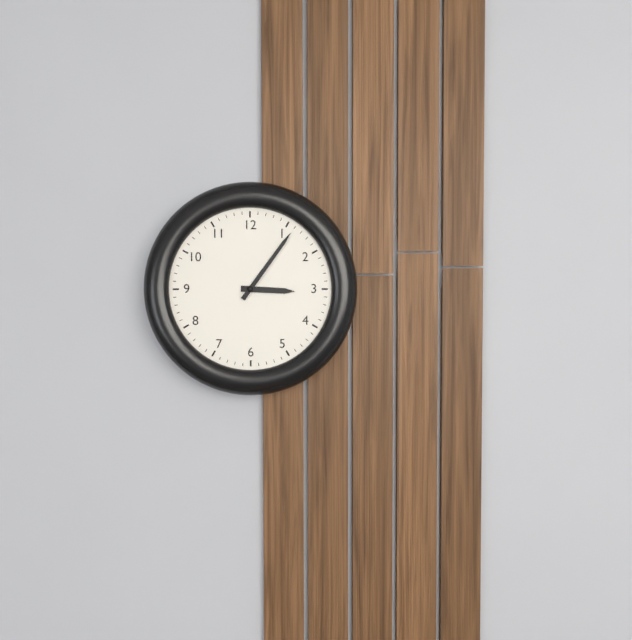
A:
3:06
